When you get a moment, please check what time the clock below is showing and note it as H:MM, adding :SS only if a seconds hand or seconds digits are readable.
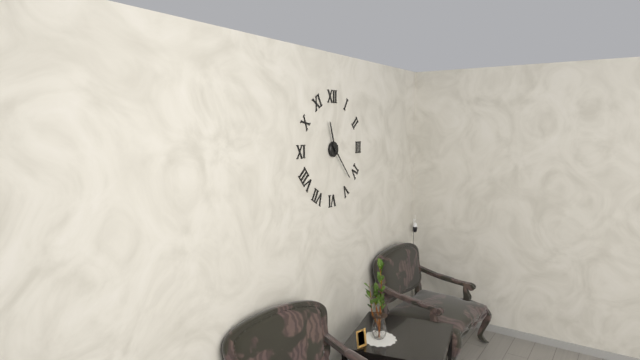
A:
11:23
